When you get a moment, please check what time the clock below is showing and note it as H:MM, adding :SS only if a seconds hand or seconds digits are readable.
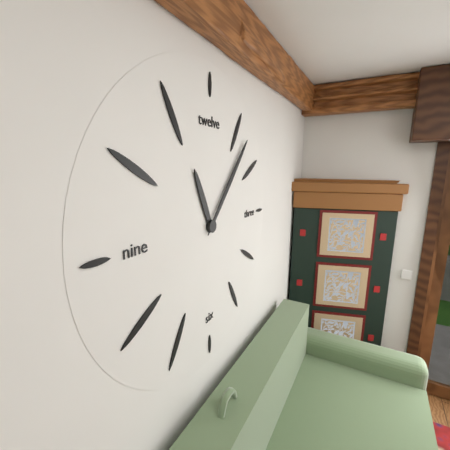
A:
11:07
